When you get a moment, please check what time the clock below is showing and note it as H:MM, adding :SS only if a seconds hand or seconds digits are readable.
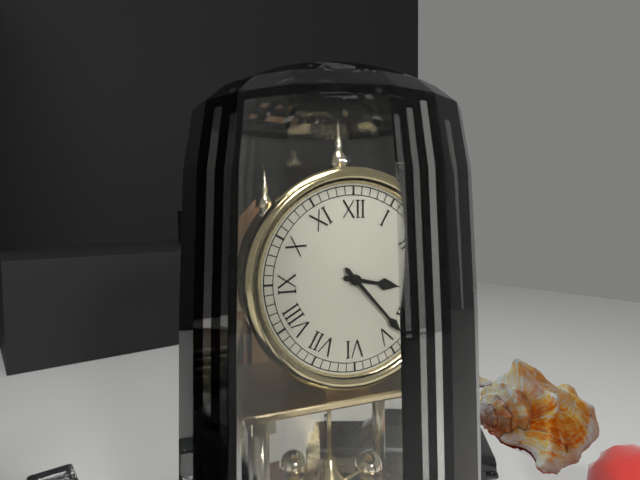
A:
3:23
